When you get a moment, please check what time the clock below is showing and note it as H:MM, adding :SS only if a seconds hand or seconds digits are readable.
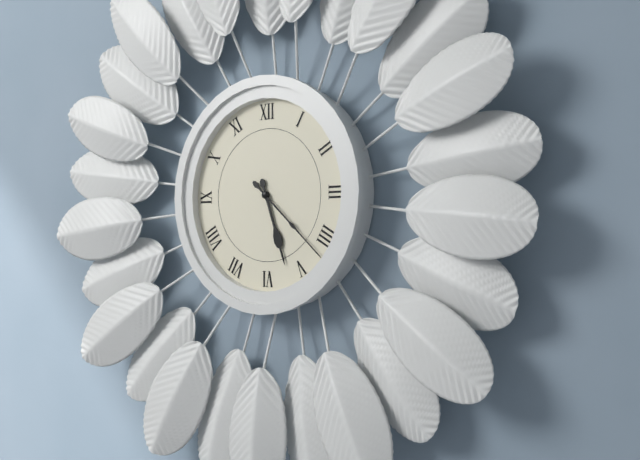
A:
5:22
